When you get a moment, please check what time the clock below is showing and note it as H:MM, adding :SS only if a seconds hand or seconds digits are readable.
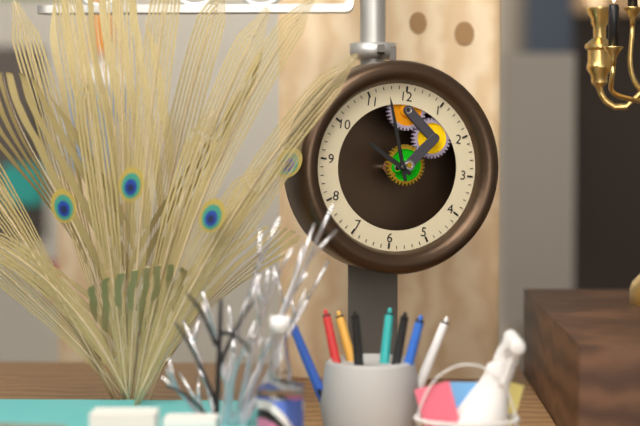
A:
9:57
